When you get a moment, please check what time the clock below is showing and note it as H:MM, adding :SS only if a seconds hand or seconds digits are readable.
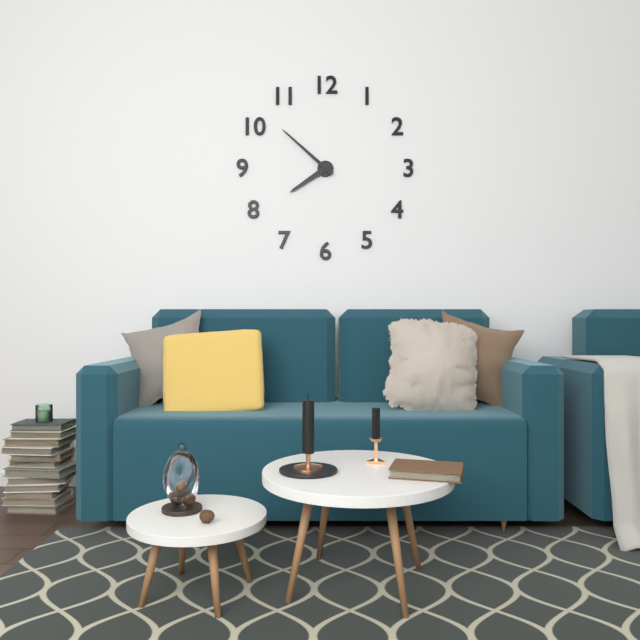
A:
7:52
